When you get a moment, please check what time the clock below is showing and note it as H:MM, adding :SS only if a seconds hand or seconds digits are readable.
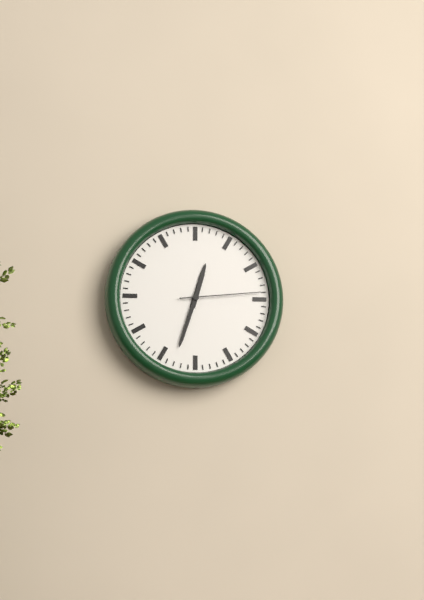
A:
12:33:14
